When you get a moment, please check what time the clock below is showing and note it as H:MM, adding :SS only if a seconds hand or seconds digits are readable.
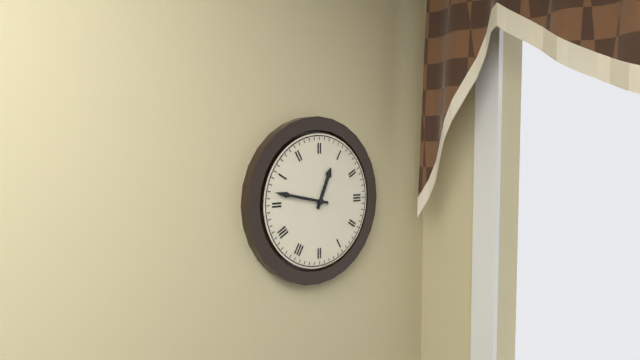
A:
12:47
